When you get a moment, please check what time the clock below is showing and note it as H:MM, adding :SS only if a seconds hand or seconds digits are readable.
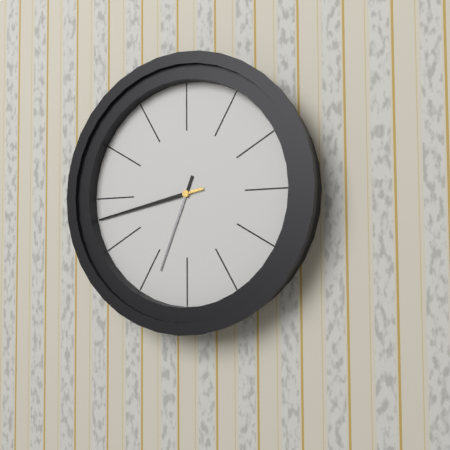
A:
6:43
